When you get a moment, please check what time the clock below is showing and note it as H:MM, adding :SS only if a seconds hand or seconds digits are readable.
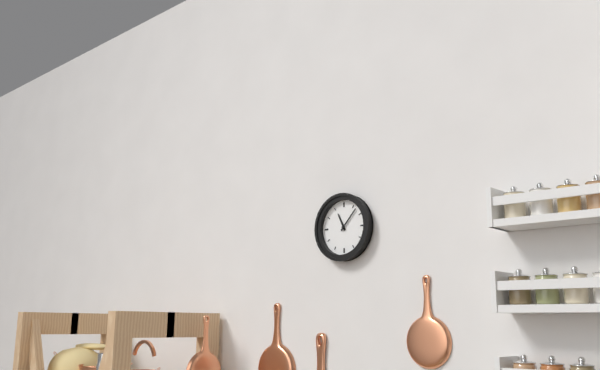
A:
11:07
